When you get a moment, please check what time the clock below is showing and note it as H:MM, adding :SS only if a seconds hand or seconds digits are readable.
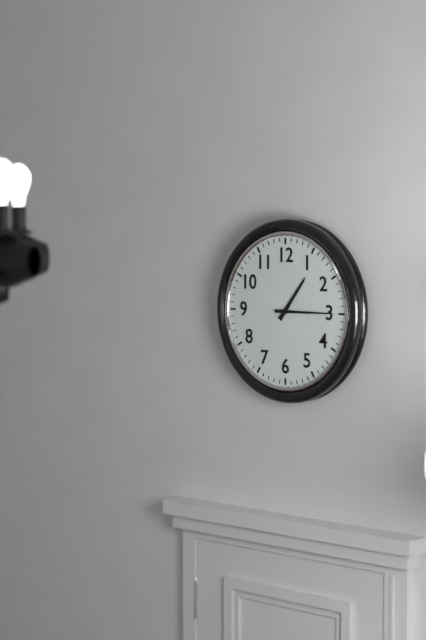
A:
1:15
